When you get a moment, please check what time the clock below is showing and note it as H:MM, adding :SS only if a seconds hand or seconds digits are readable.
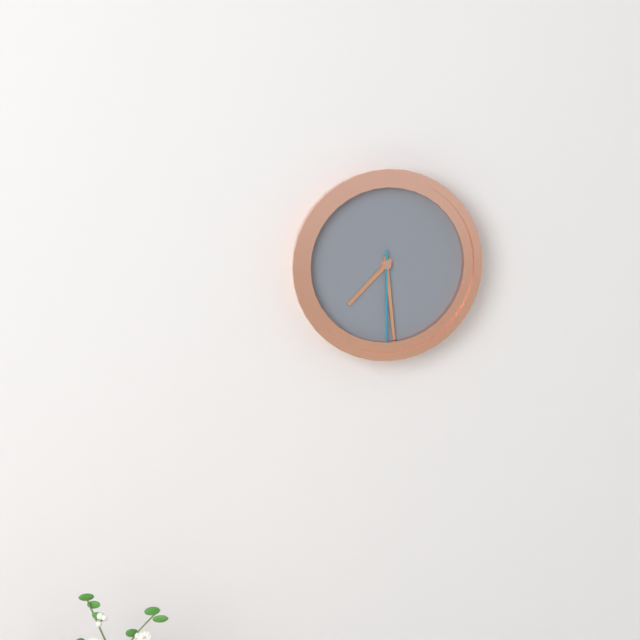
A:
7:29:30
